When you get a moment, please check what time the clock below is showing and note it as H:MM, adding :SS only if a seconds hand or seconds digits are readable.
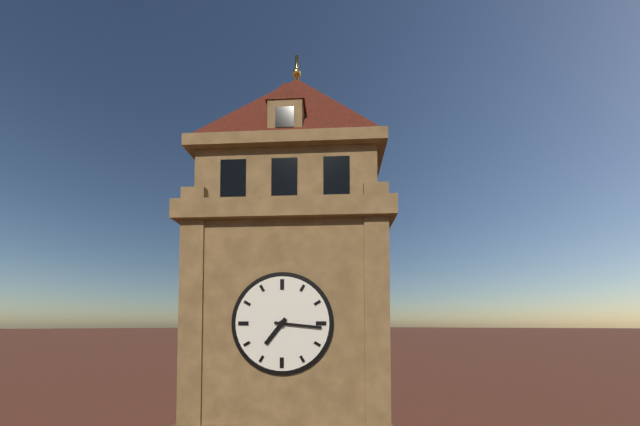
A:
7:16
